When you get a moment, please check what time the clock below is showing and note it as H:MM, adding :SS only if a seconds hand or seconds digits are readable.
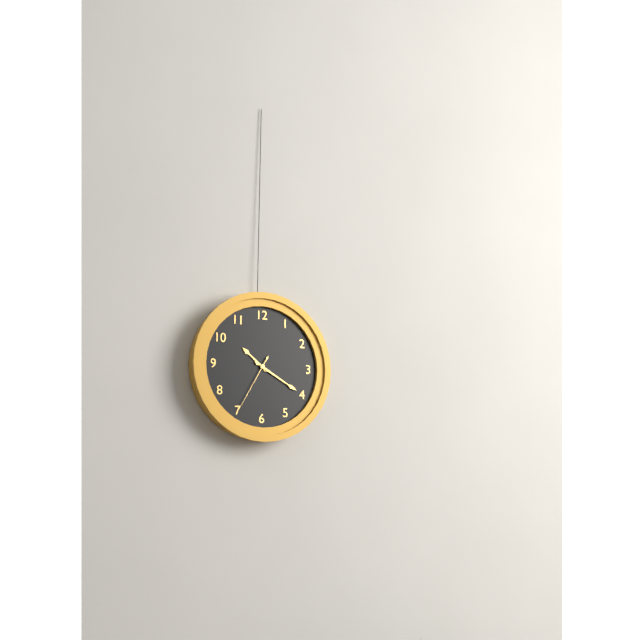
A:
10:20:35
